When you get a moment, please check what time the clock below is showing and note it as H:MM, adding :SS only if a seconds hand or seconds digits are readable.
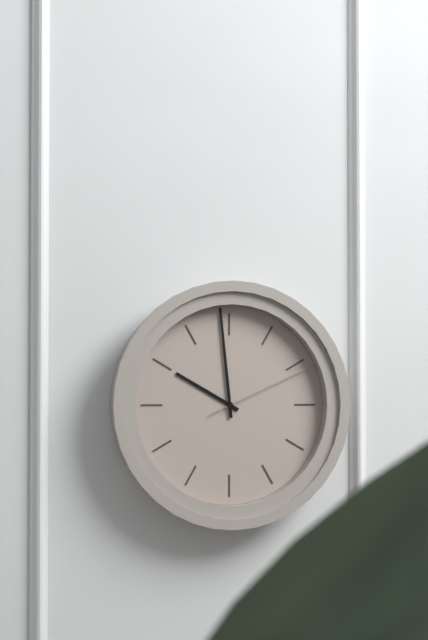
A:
9:59:11
